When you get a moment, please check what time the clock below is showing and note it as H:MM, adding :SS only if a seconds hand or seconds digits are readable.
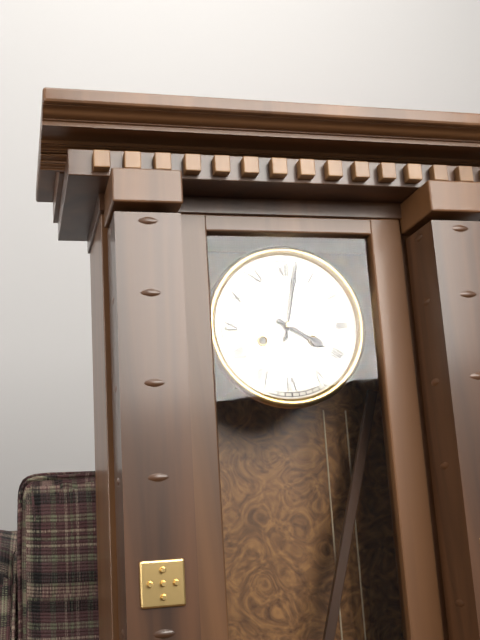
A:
4:02
